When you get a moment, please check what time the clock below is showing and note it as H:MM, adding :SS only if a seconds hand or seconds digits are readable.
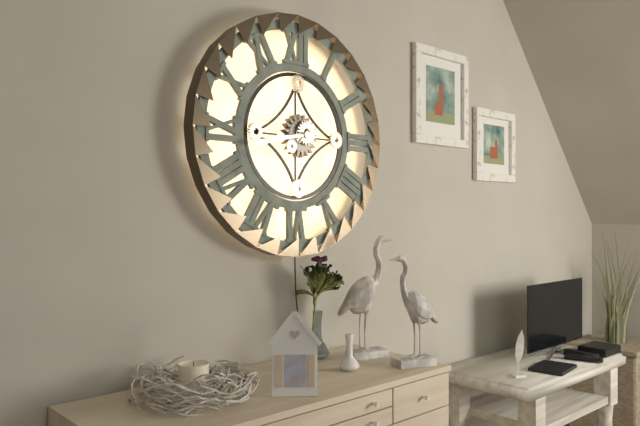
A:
8:43
